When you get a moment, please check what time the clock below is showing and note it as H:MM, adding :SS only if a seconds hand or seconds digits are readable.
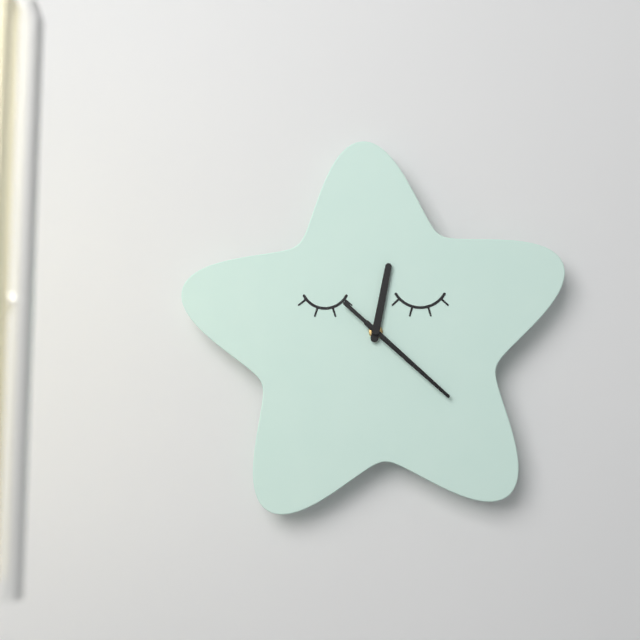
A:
12:22:22
